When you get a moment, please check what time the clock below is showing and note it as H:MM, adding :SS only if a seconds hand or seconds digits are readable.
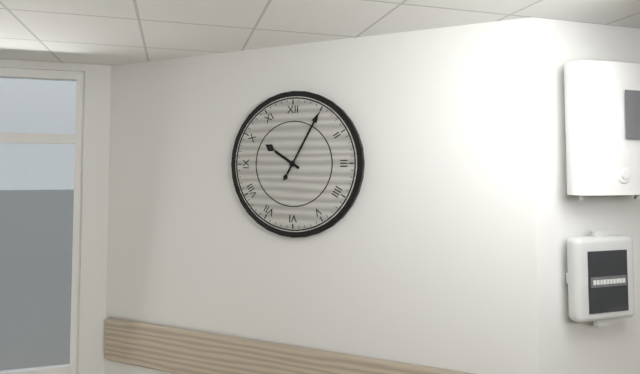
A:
10:05
